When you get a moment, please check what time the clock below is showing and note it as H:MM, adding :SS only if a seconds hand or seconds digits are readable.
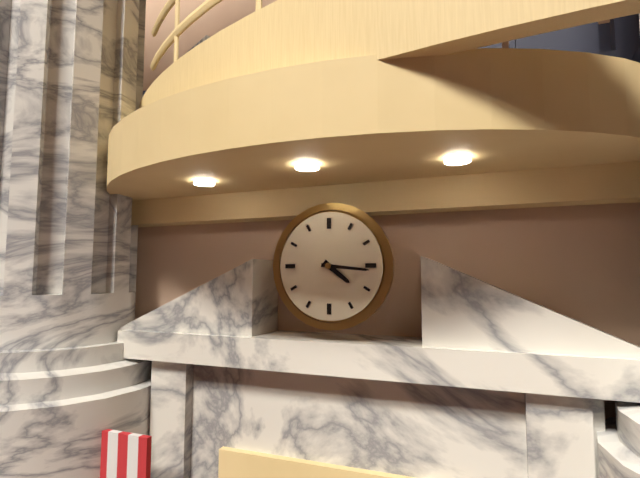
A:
4:16
